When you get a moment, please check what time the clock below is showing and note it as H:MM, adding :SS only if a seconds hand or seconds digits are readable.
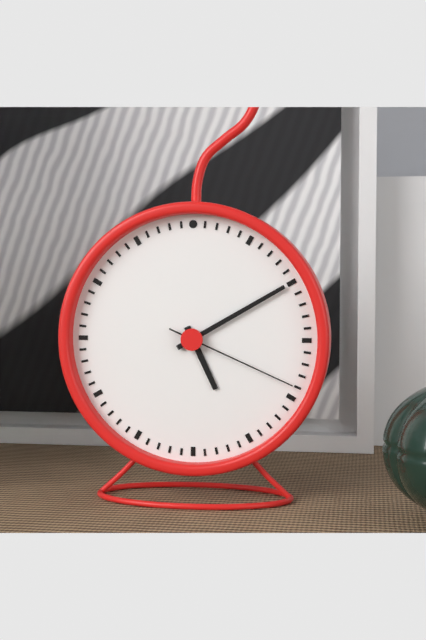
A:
5:10:19
